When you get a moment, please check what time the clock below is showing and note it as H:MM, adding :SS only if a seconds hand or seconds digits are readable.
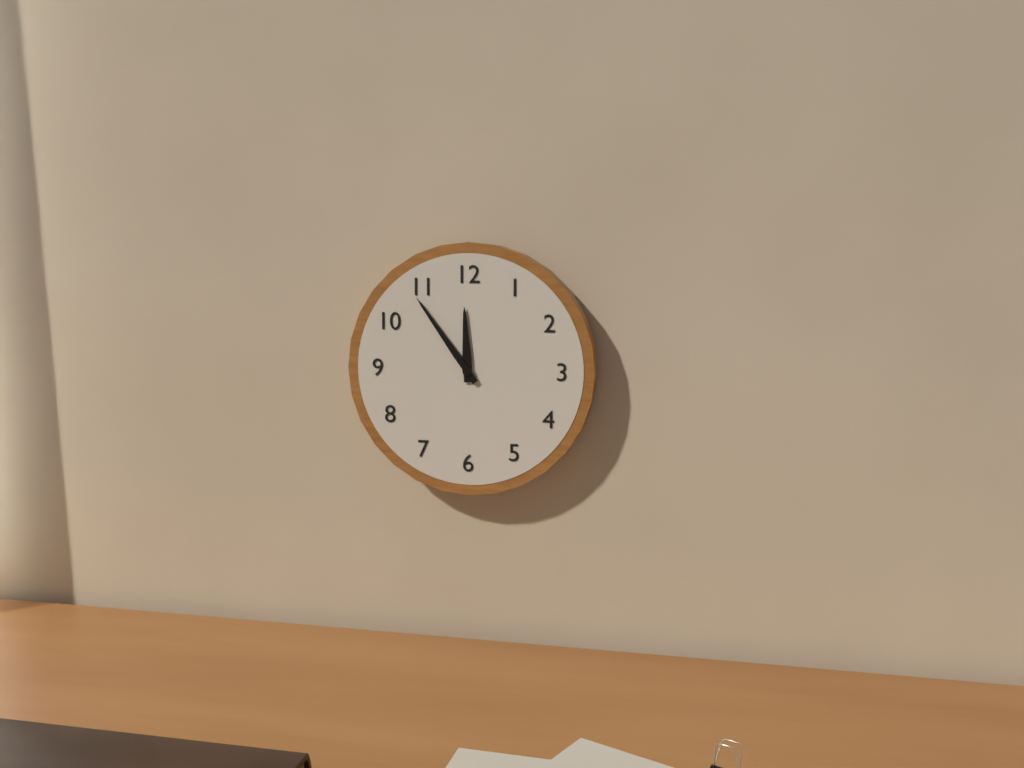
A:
11:54
